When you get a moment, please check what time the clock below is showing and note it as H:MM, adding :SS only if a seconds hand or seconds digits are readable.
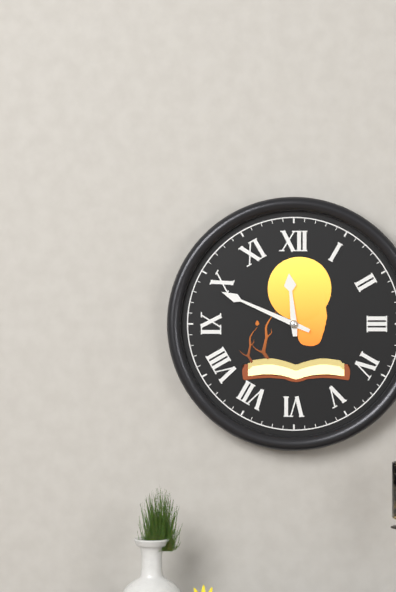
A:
11:49
